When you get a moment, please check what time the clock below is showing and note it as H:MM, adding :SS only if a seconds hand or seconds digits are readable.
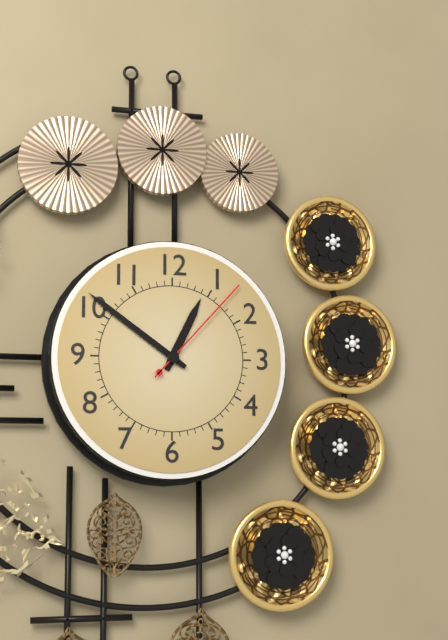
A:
12:51:07
